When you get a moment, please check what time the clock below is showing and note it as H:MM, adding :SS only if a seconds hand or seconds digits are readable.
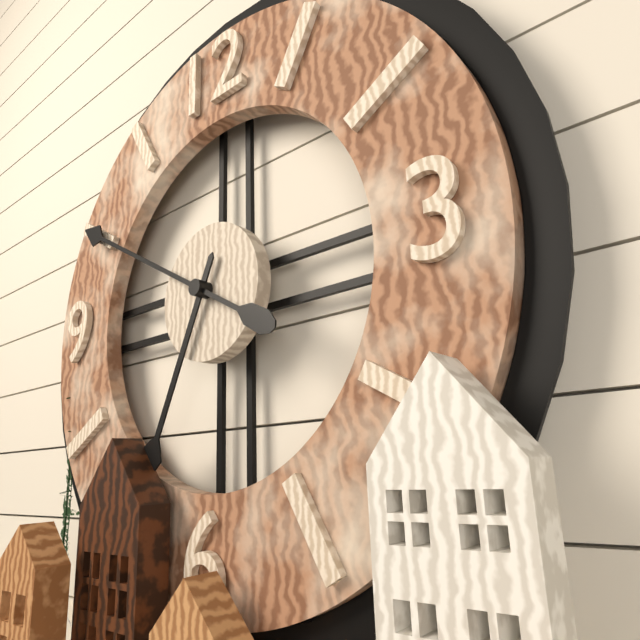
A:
6:50
